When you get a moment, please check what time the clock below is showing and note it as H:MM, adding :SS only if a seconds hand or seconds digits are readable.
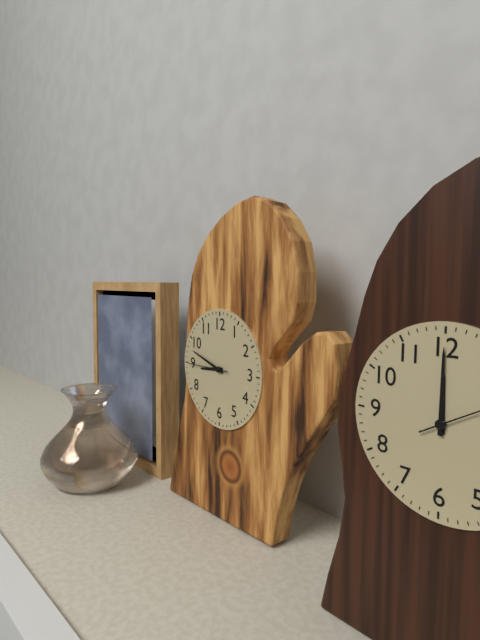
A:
8:48
